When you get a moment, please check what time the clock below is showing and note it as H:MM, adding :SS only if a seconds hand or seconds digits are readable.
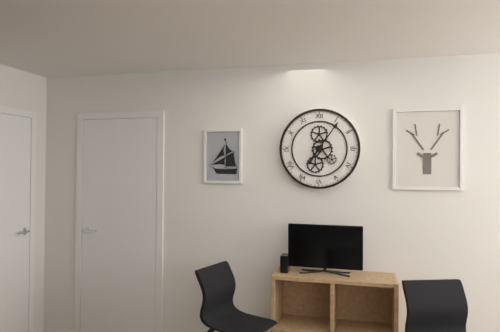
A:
7:06
